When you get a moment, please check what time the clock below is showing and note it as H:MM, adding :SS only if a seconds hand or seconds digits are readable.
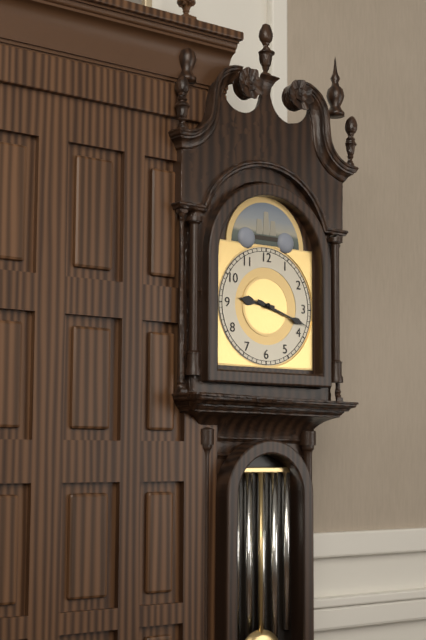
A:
9:18
